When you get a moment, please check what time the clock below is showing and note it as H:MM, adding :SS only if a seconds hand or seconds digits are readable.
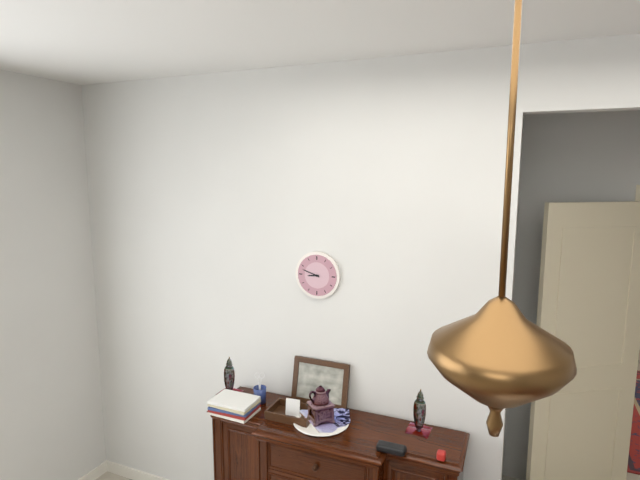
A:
8:48
